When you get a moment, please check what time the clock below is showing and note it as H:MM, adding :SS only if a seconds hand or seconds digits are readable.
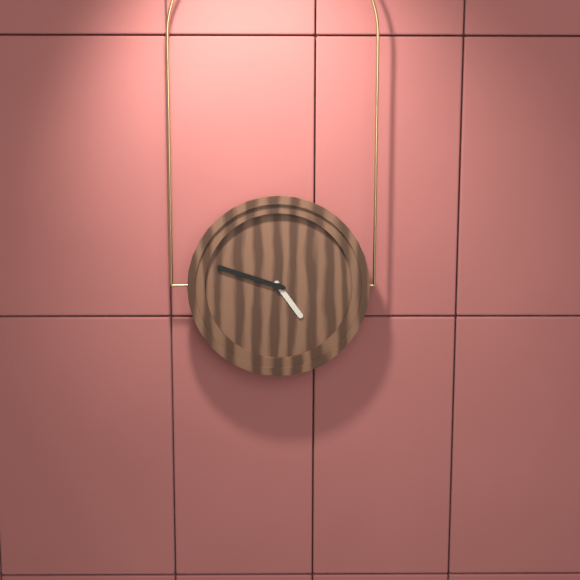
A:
4:48
